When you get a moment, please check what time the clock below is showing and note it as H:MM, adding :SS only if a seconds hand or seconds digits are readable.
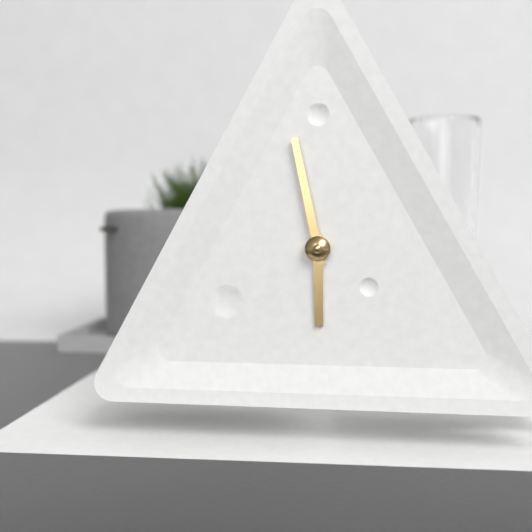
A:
5:58
